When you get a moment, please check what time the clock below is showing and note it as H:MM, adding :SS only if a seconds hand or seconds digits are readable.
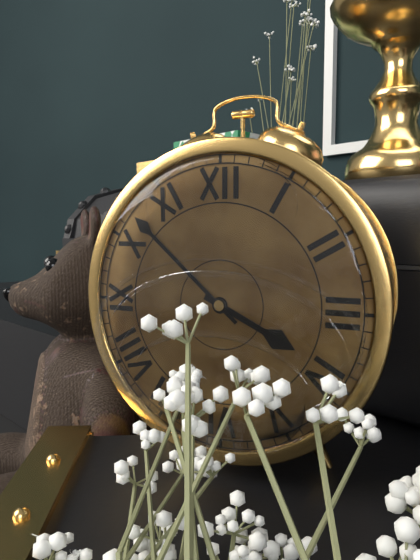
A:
3:52
